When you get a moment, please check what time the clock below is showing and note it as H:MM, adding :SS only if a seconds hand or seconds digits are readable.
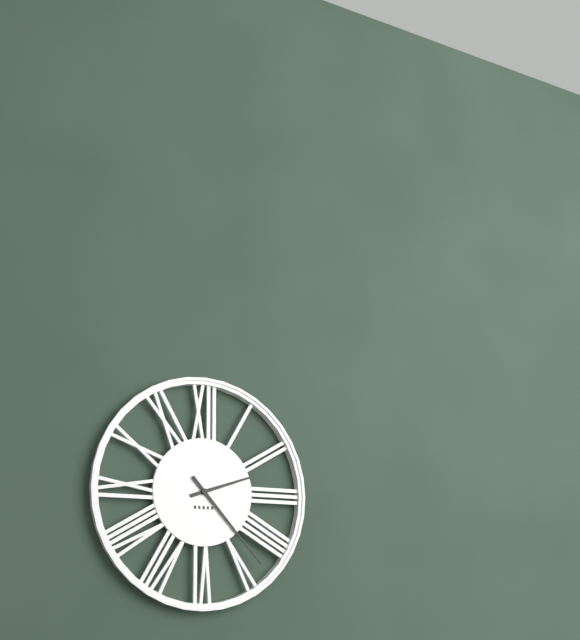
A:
2:23
